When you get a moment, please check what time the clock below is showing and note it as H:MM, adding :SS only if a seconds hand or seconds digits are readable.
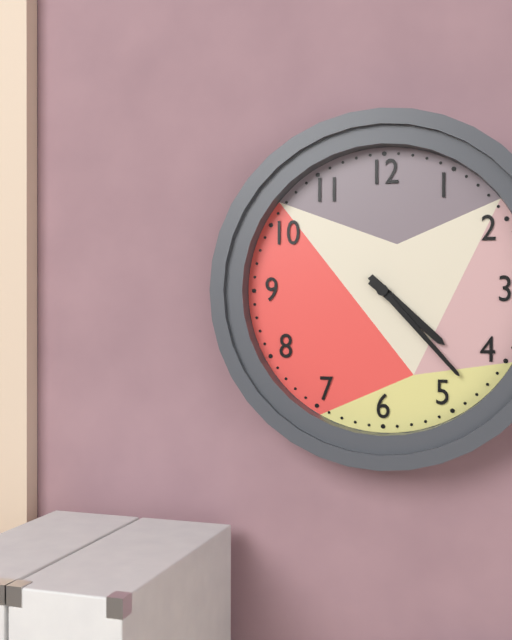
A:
4:23
